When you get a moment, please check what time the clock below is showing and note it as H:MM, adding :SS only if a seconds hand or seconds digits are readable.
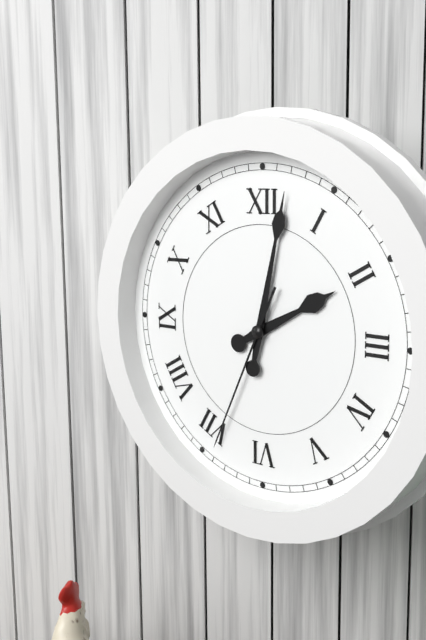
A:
2:02:34
